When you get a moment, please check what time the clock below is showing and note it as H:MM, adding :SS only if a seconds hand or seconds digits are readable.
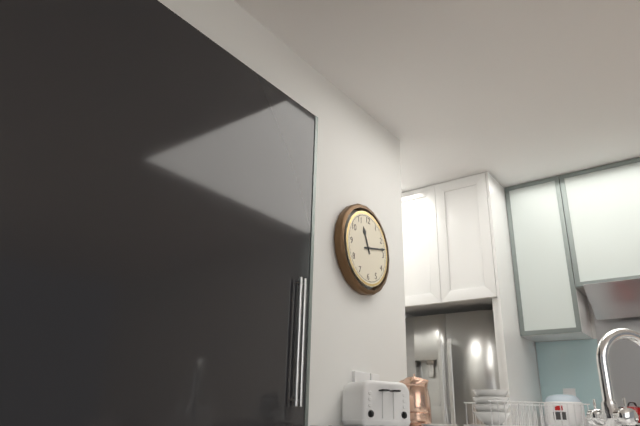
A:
11:13
